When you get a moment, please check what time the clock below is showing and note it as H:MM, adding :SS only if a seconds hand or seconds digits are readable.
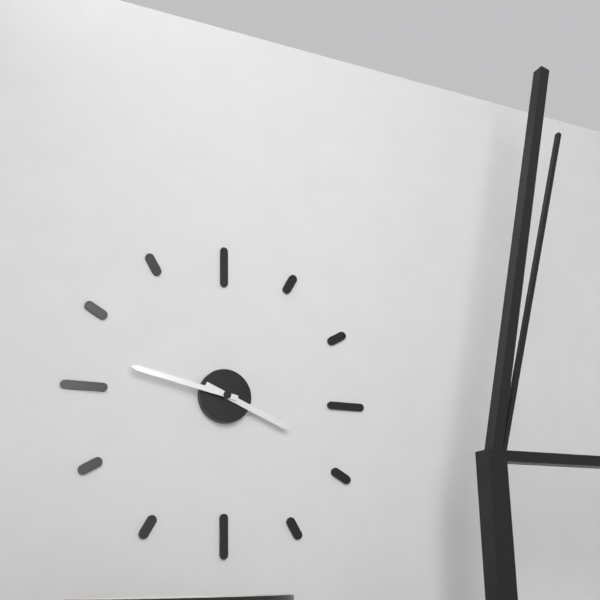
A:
3:47
